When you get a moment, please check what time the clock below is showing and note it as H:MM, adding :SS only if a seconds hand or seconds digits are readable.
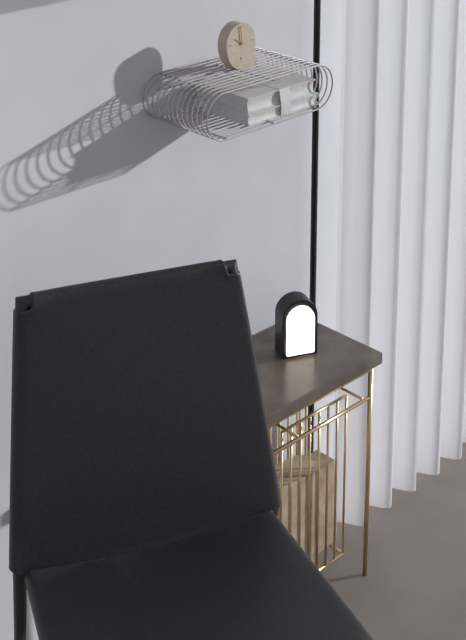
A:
9:59
